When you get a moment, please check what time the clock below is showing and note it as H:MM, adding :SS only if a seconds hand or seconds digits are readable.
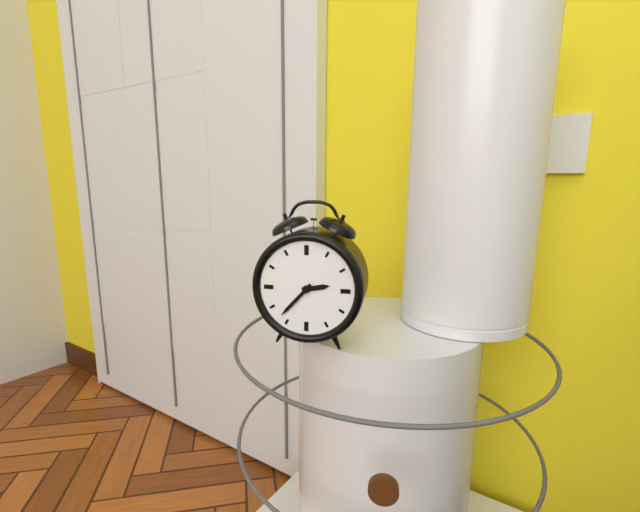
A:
2:37
